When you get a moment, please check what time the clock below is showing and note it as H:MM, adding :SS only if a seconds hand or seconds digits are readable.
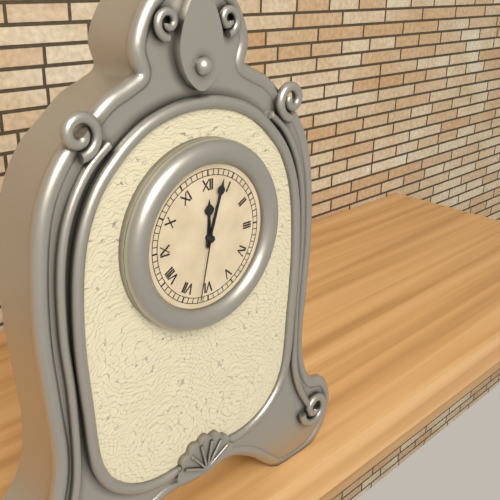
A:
12:03:32
